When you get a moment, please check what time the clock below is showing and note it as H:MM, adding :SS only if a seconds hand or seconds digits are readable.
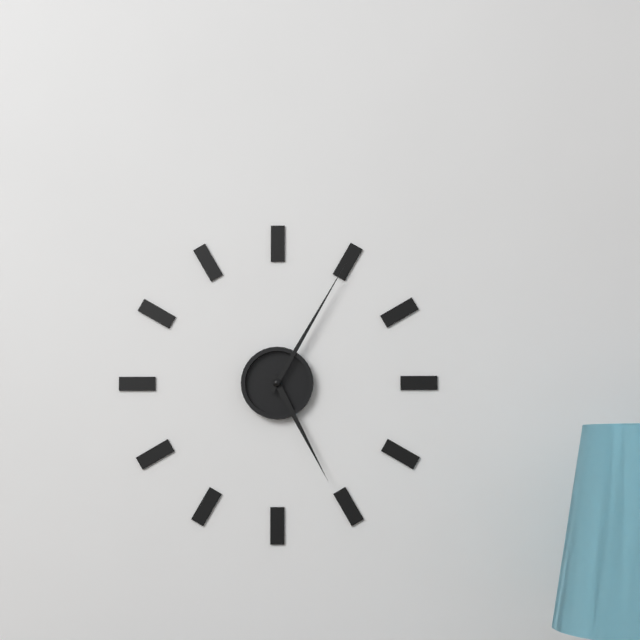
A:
5:05
